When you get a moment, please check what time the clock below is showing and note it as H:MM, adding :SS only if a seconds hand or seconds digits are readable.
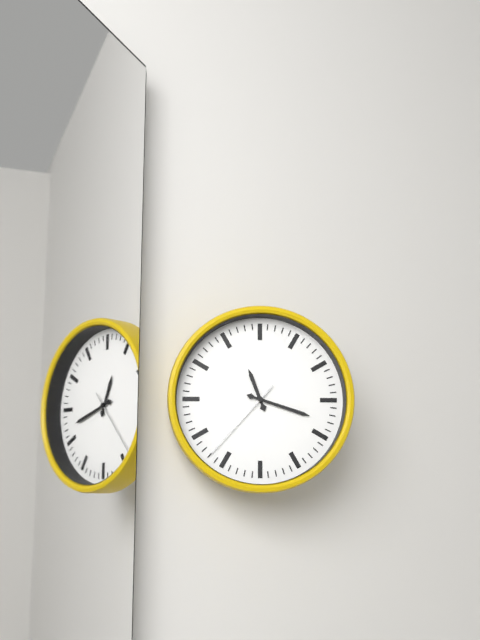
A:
11:18:37
